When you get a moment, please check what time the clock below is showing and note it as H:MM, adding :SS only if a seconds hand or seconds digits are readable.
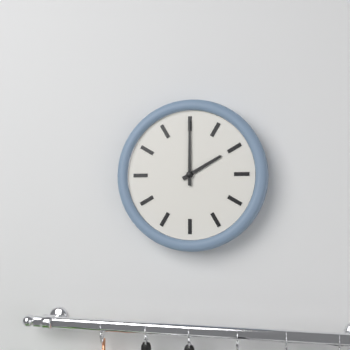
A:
2:00
